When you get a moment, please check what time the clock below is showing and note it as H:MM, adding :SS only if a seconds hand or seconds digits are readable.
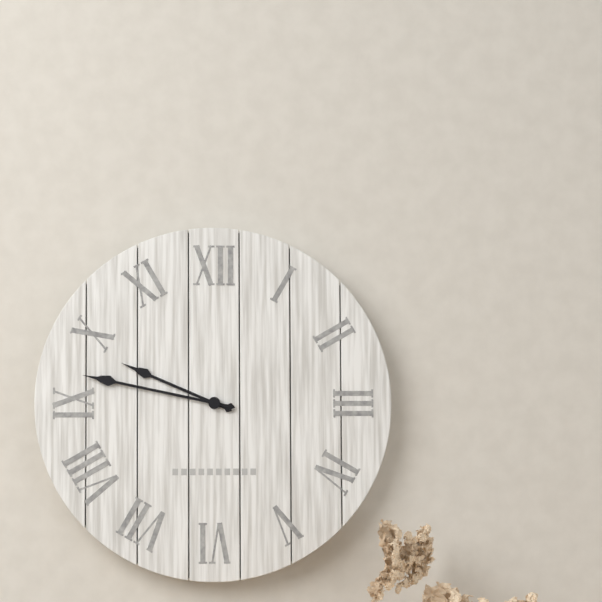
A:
9:47
